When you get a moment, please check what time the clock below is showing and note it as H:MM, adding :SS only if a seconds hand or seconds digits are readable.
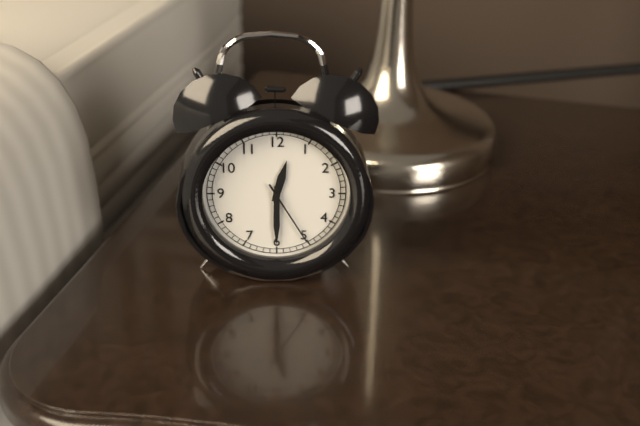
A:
12:30:25
